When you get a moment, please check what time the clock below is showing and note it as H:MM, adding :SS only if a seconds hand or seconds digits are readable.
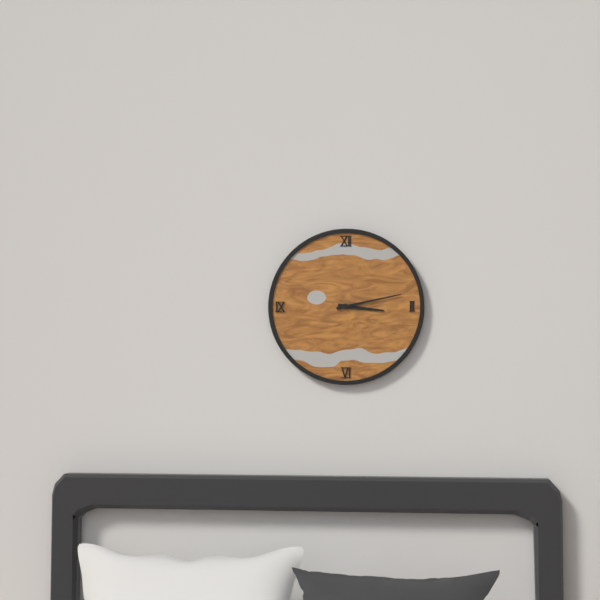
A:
3:13
